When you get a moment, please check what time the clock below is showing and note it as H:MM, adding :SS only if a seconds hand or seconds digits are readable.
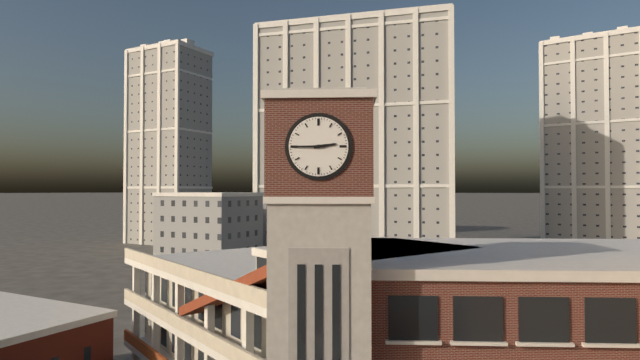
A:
2:45
